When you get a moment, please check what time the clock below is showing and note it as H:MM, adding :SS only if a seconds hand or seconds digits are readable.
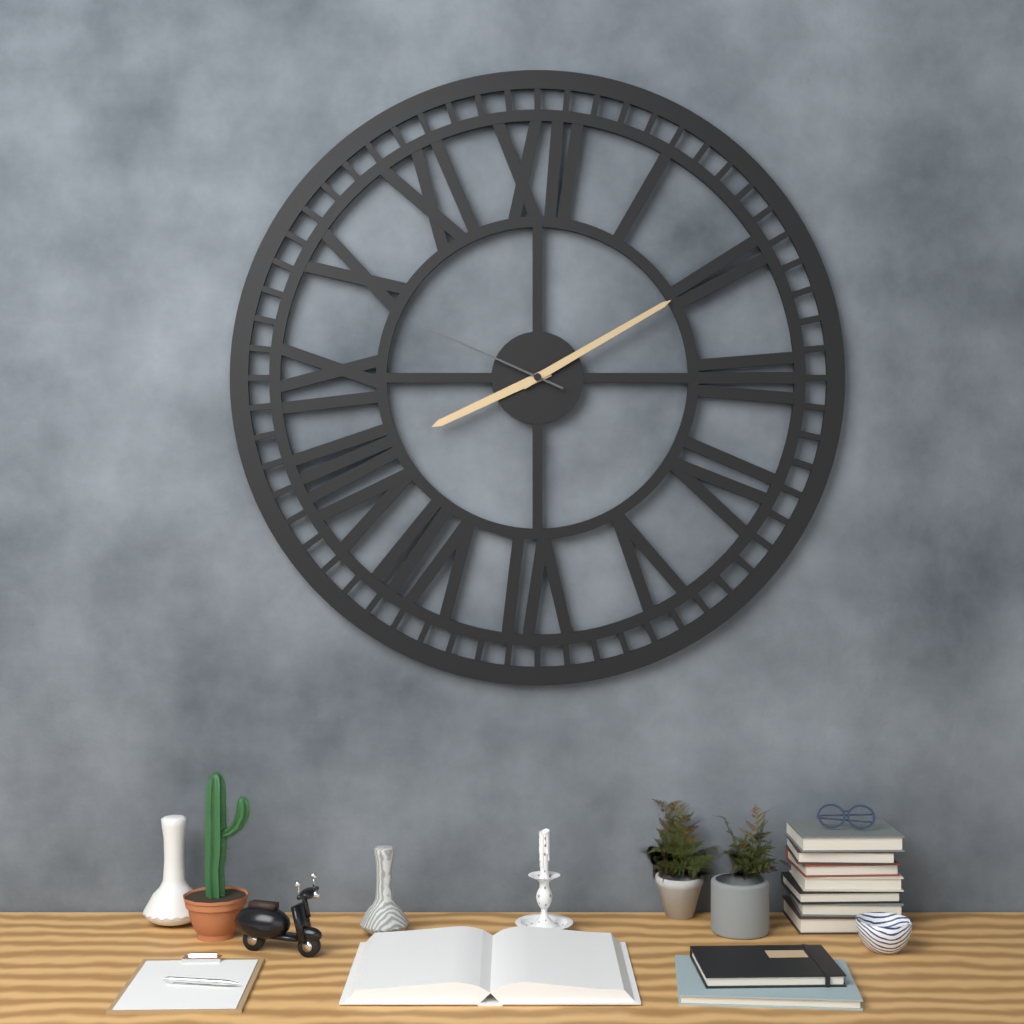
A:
8:10:49
